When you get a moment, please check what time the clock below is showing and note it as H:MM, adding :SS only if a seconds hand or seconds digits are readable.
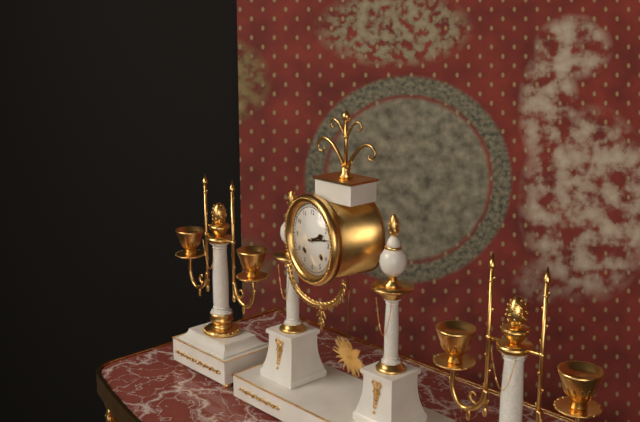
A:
2:13
